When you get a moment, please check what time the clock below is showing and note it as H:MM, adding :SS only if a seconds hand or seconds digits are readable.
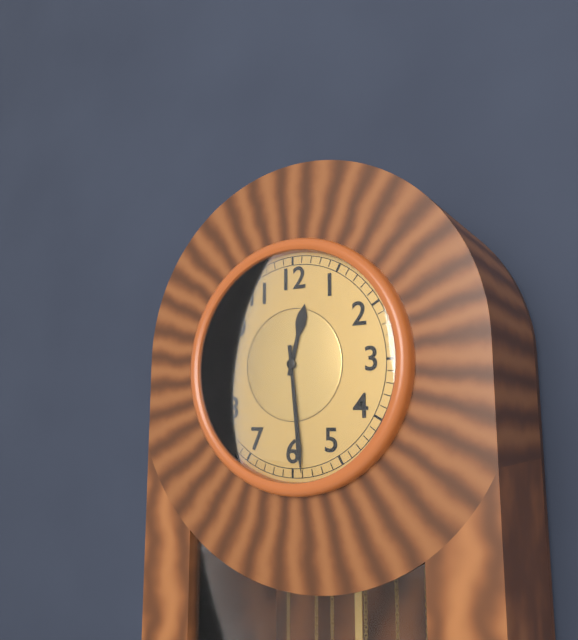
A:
12:29
